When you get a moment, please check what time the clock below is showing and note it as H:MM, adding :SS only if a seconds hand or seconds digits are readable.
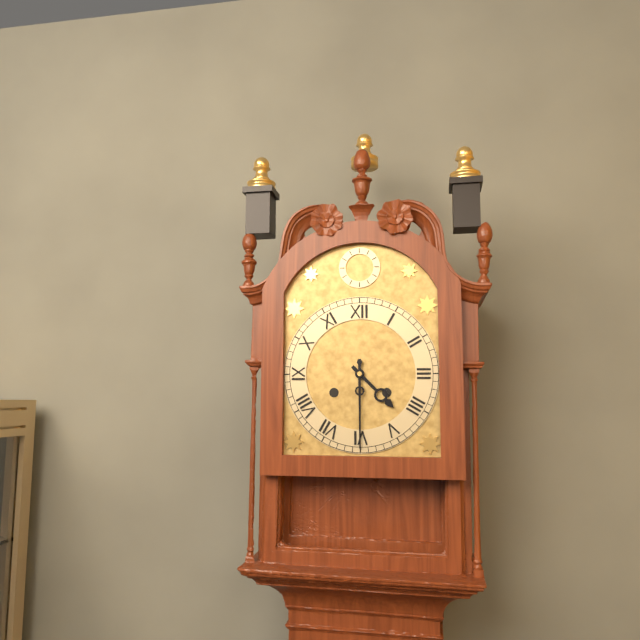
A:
4:30
